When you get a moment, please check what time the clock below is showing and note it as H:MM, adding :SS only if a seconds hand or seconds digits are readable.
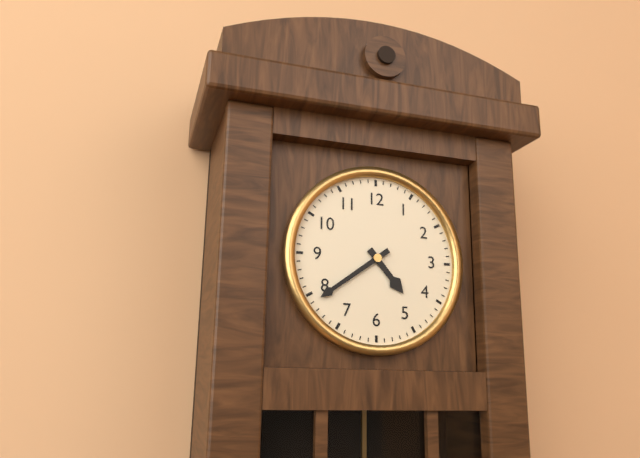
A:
4:39
